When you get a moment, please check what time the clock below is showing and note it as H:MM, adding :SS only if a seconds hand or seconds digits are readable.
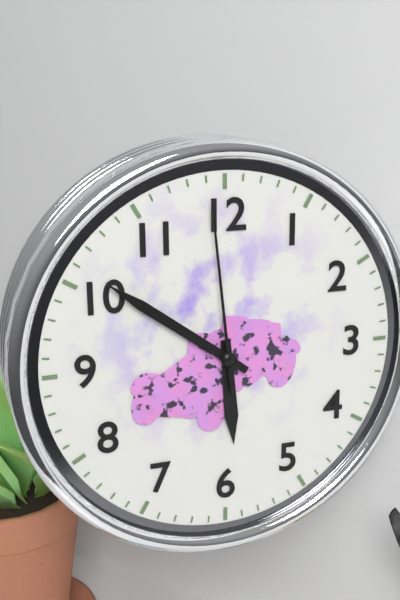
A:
5:51:59
